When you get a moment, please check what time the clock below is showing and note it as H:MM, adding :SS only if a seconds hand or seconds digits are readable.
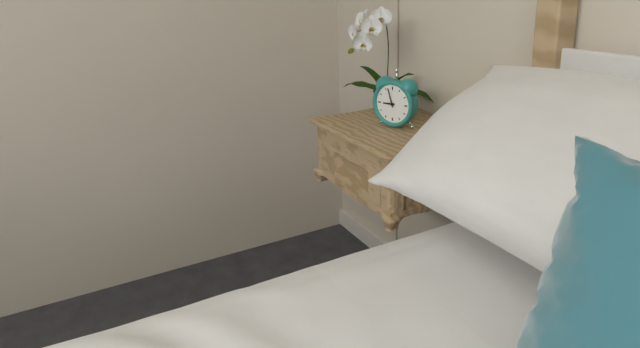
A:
8:57
